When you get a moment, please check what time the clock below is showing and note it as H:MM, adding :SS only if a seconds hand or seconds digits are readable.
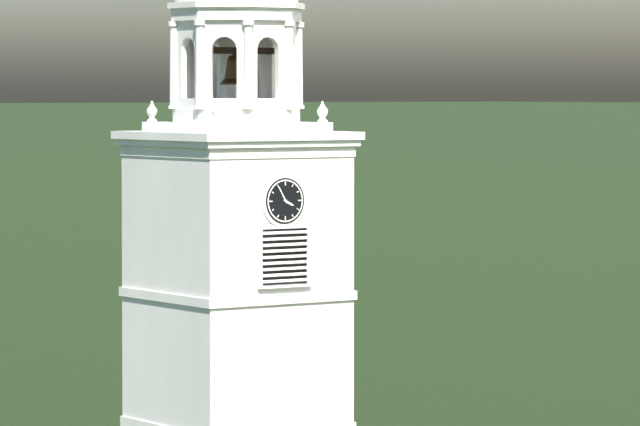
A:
3:55
